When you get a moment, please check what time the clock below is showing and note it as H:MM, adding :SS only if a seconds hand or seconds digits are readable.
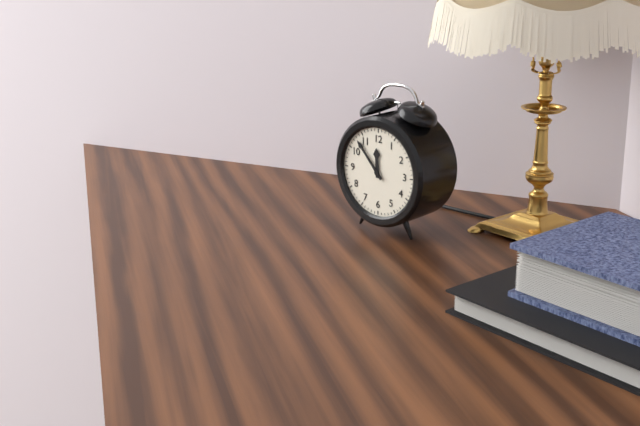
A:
11:53
